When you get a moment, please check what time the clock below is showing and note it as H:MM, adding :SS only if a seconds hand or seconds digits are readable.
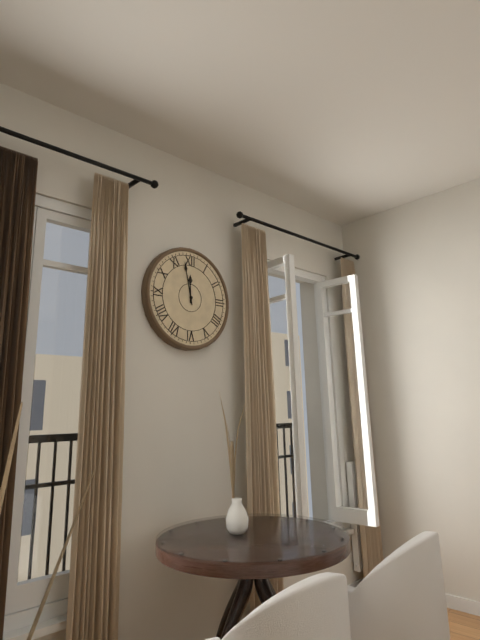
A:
11:58
